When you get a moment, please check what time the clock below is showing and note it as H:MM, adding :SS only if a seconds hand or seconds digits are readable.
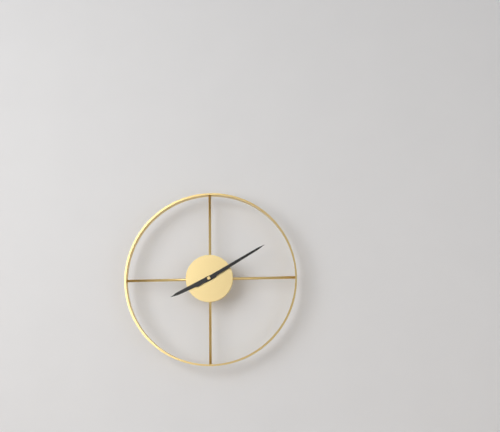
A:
8:10
